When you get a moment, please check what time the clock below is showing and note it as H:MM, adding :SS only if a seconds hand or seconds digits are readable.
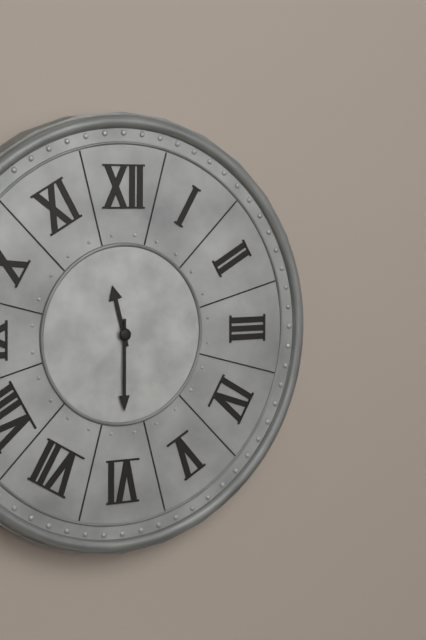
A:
11:30
